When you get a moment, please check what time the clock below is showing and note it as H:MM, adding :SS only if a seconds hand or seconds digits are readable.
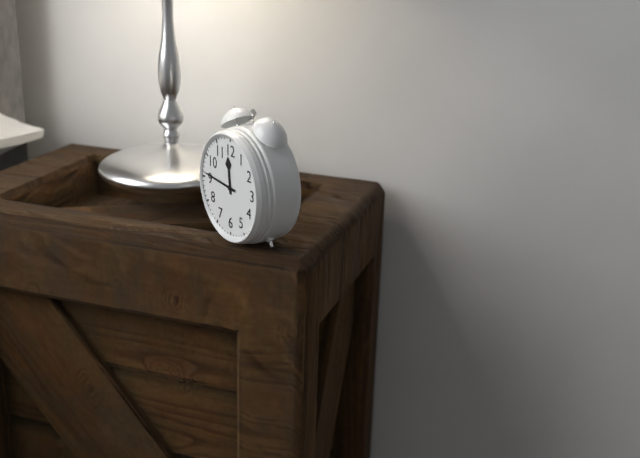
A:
11:46
